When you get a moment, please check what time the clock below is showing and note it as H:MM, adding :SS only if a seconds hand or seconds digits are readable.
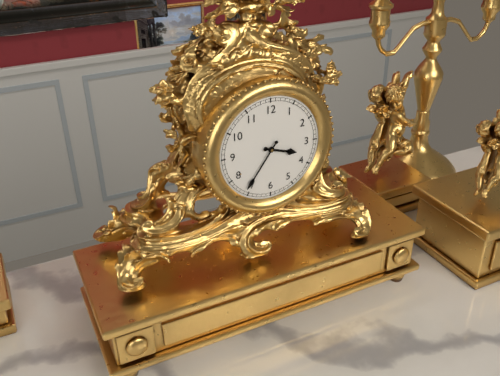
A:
3:36
